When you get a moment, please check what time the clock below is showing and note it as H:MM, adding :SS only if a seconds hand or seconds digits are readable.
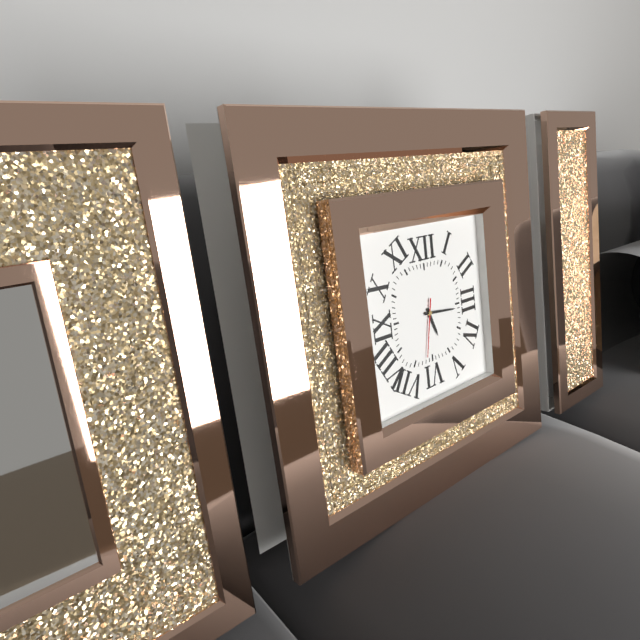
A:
5:16:32
